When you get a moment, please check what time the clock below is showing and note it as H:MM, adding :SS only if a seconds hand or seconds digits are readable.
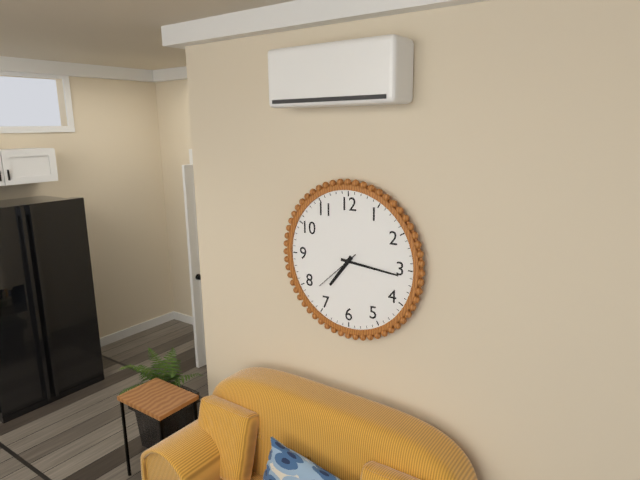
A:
7:16
